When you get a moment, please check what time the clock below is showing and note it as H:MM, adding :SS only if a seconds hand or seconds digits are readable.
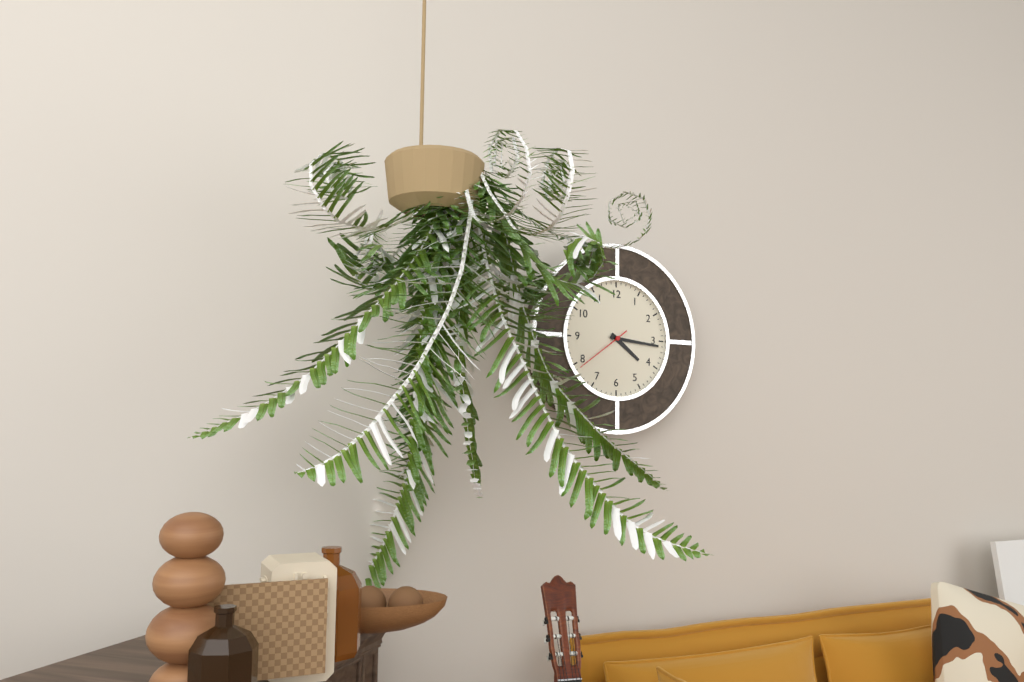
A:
4:16:39
